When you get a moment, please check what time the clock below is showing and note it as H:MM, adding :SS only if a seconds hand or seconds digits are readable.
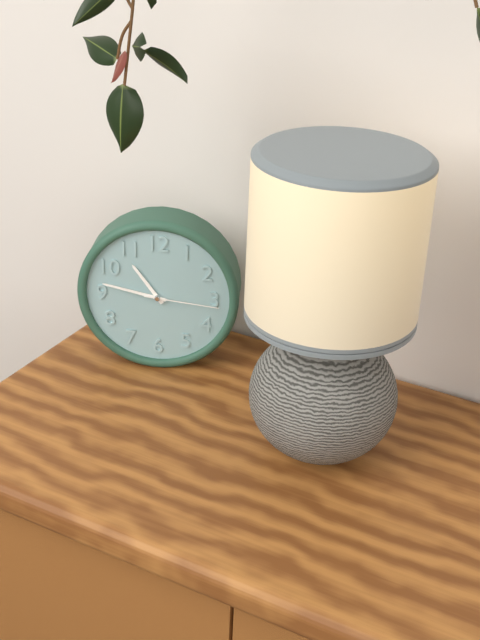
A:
10:47:16
